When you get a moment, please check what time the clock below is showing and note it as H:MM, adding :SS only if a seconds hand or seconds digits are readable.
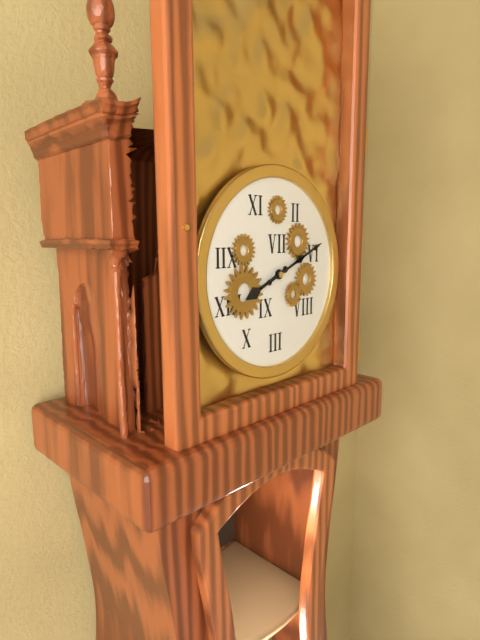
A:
8:11
